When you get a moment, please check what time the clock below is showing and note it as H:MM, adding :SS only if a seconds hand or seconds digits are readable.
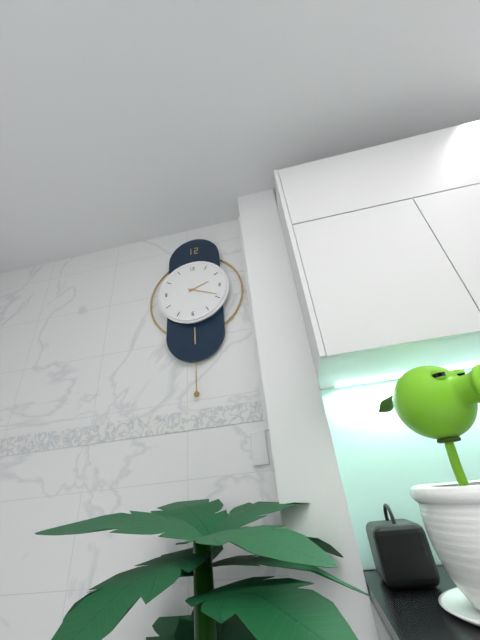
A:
2:19
